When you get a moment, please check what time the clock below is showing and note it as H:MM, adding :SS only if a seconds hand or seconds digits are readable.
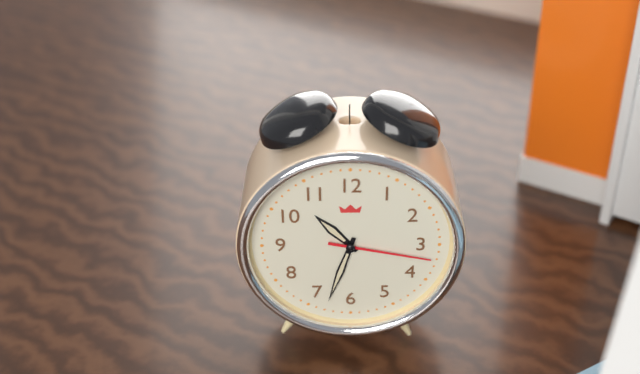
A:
10:33:17
